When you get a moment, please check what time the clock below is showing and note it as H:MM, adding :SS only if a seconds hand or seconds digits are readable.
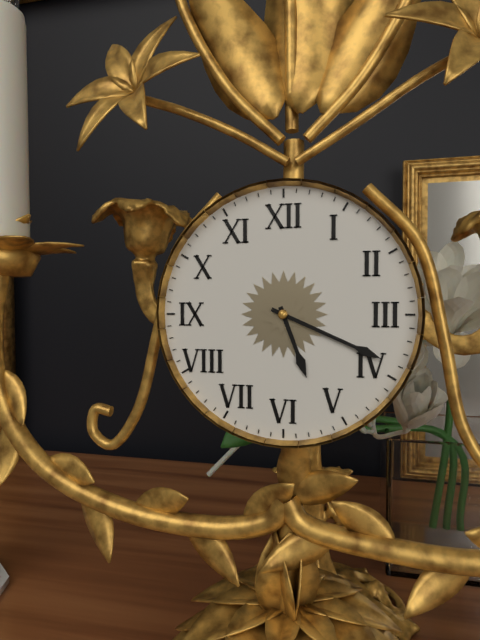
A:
5:19
